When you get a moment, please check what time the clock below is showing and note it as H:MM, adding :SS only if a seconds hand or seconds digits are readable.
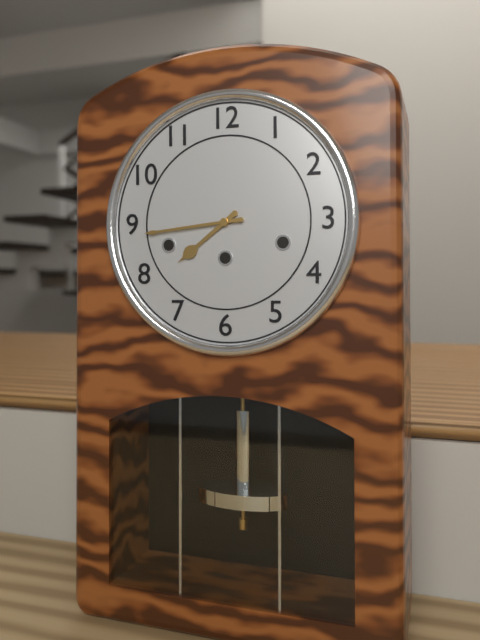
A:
7:44
